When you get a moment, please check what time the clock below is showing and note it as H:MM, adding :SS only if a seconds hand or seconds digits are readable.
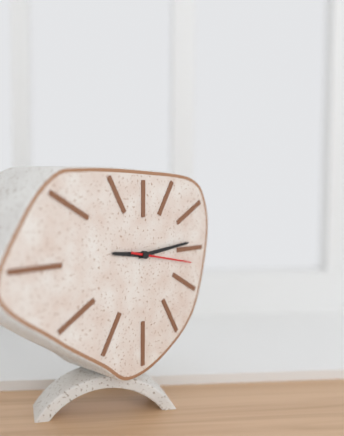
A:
9:14:17
